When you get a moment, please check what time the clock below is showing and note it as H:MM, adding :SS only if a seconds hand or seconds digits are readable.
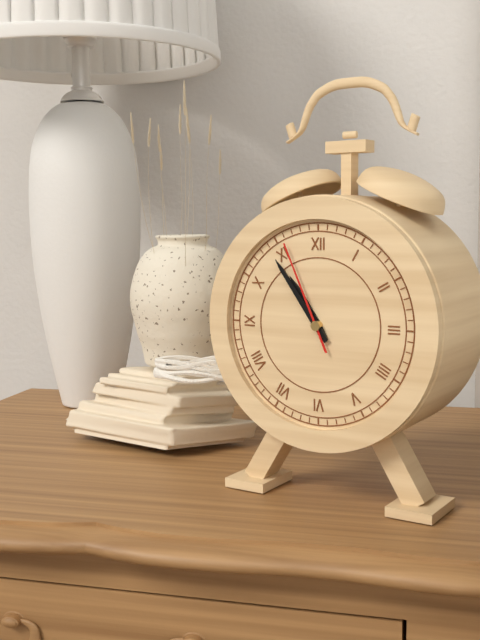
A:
10:54:56
